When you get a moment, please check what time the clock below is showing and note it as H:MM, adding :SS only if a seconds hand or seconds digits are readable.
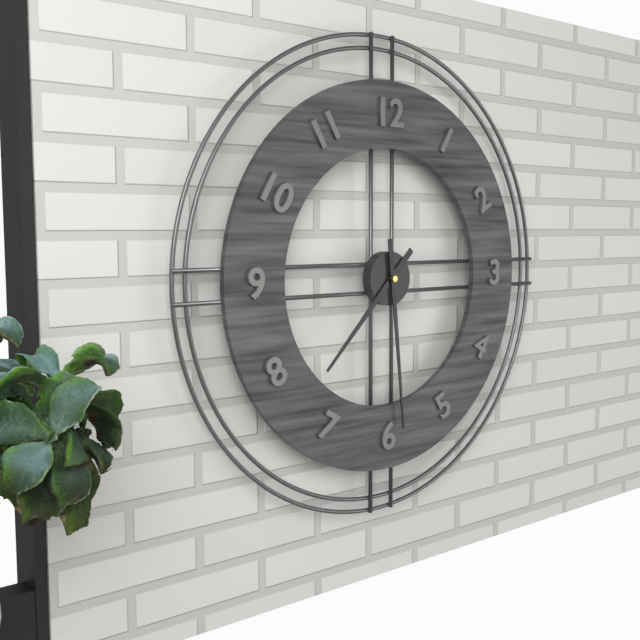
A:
7:29
